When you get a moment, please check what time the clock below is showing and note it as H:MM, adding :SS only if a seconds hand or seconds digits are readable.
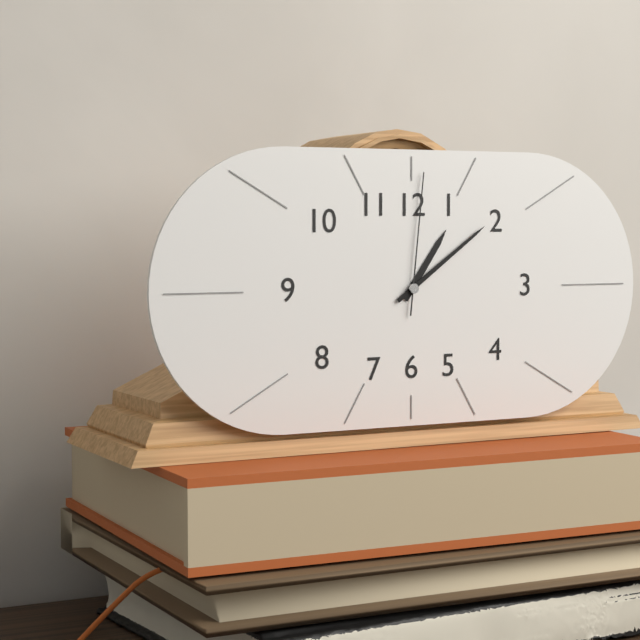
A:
1:09:01
